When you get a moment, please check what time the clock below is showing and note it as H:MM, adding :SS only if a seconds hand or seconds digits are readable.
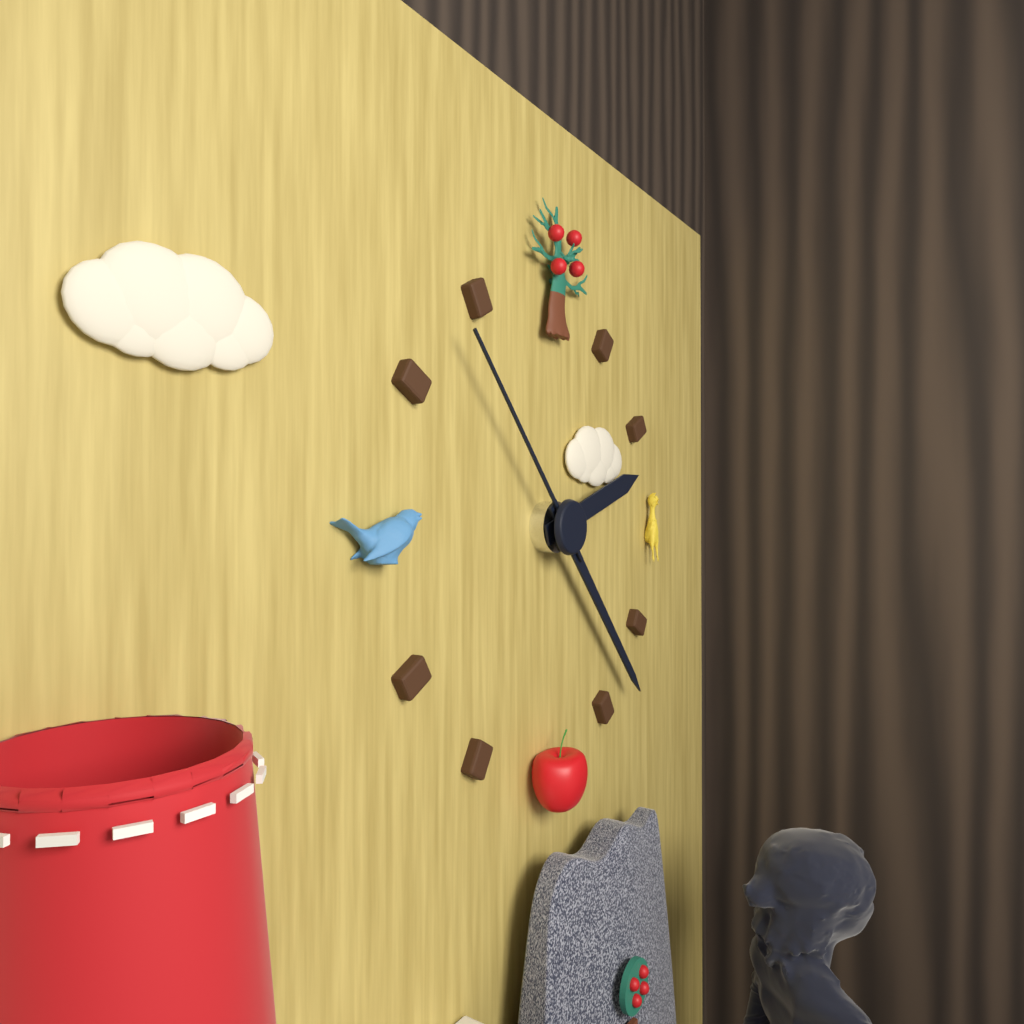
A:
2:23:53
